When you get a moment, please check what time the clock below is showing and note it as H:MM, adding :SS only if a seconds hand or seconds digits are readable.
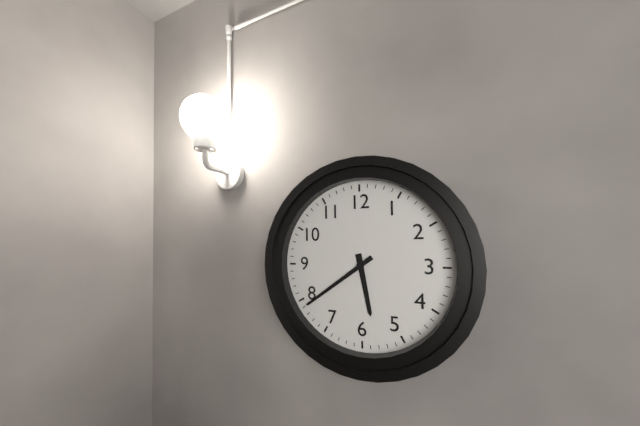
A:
5:39
